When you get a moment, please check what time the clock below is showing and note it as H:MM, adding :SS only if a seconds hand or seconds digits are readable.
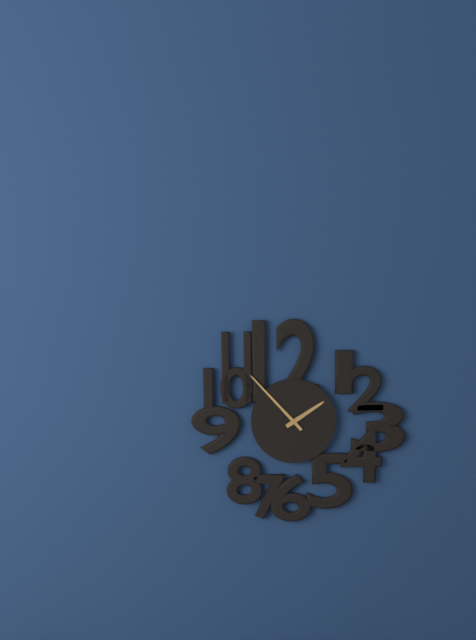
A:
1:53
